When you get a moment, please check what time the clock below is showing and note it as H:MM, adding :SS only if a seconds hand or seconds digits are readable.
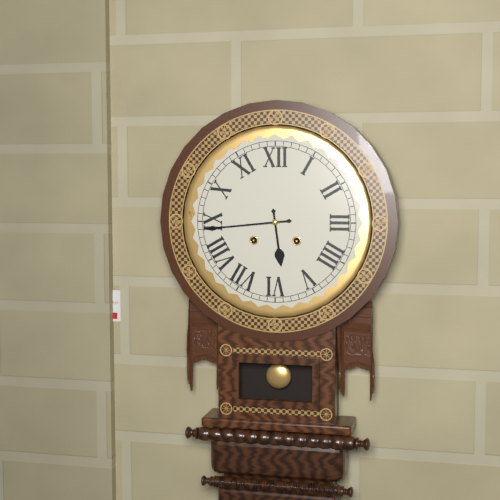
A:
5:44
